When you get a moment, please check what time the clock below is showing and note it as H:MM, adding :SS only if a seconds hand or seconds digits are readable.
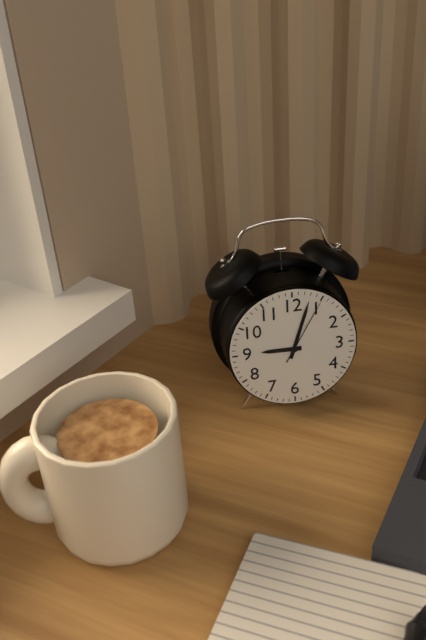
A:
9:03:05
